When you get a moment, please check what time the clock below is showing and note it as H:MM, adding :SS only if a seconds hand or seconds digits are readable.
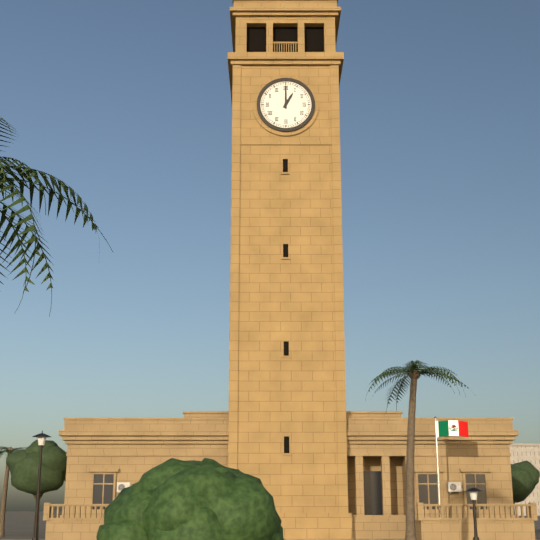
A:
1:00
